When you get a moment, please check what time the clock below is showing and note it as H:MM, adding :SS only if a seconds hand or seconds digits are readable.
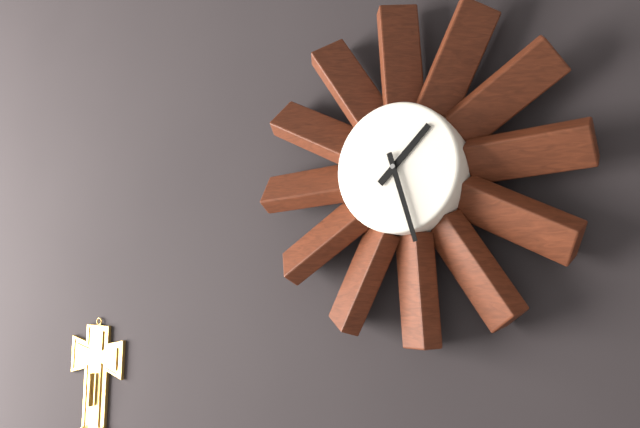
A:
1:27
